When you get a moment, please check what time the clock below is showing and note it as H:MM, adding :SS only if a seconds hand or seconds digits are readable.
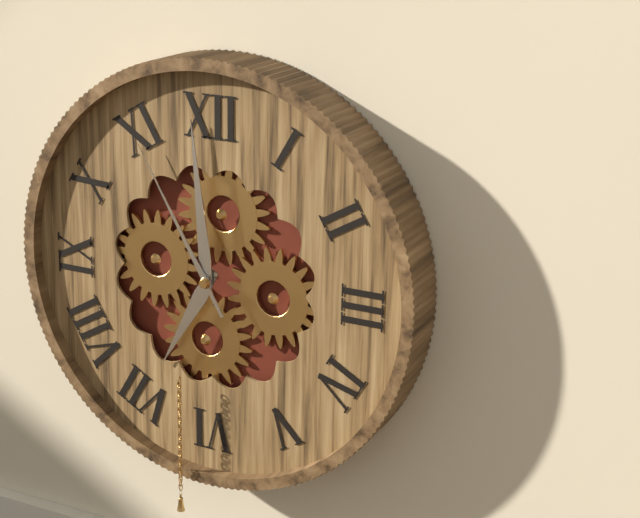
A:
6:59:55
